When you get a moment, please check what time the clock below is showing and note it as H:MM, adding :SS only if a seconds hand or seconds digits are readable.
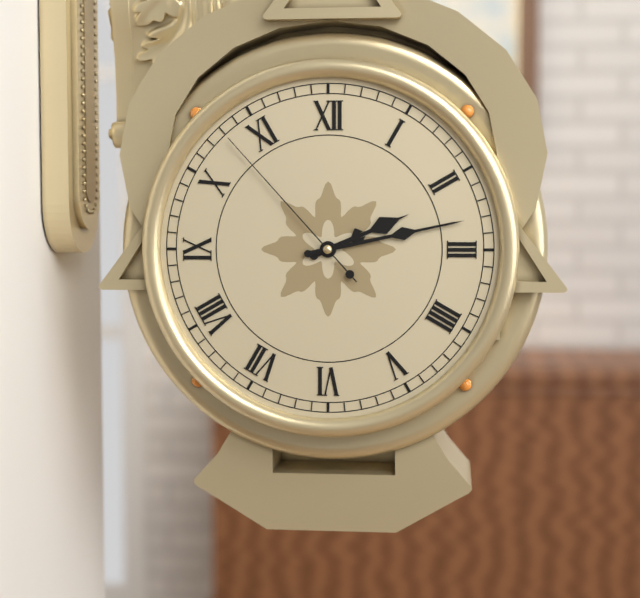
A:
2:13:53
